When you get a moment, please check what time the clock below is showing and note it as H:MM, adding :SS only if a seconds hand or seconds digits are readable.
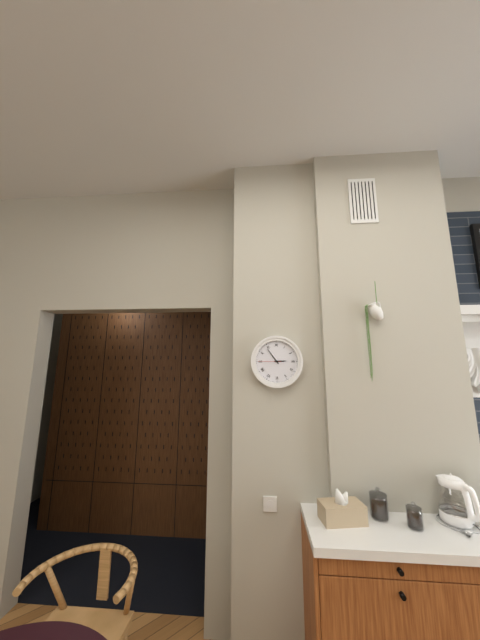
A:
2:54
